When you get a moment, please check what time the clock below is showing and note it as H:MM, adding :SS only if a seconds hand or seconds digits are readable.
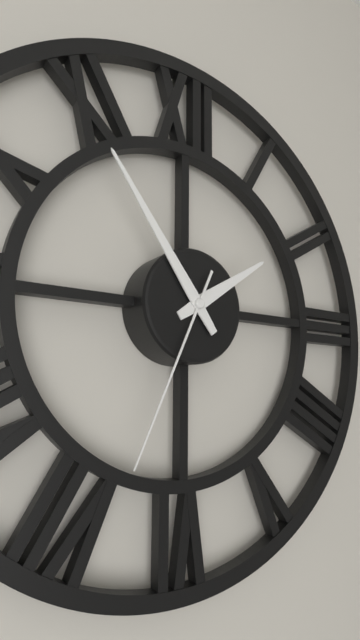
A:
1:54:34
